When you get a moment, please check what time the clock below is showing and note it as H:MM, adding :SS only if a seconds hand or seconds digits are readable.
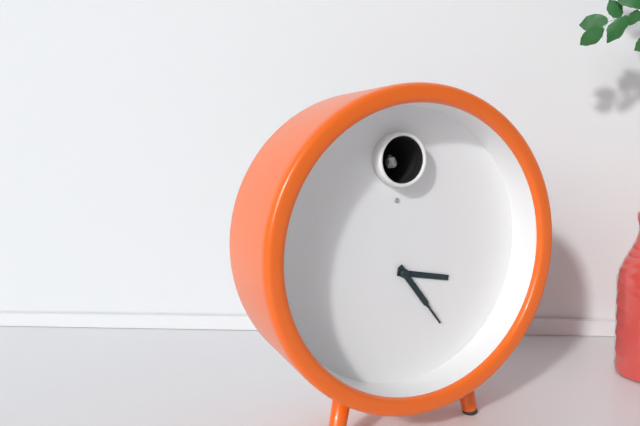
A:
3:24
